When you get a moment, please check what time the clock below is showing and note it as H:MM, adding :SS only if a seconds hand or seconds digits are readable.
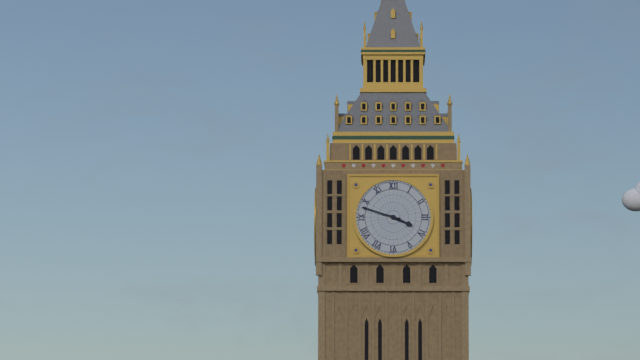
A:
3:48
